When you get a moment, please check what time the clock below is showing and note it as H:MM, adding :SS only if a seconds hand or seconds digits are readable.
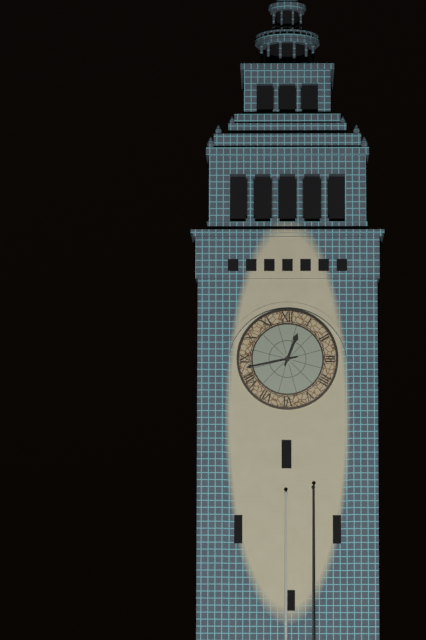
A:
12:43
